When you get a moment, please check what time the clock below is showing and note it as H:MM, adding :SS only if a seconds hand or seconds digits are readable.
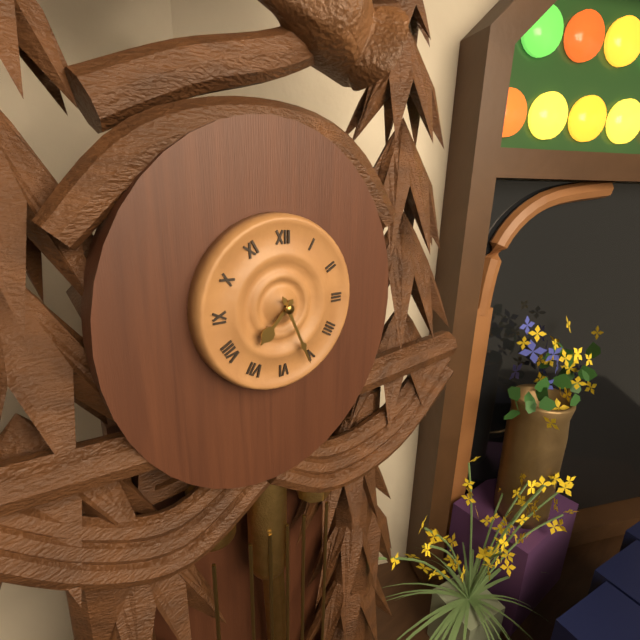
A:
7:26
